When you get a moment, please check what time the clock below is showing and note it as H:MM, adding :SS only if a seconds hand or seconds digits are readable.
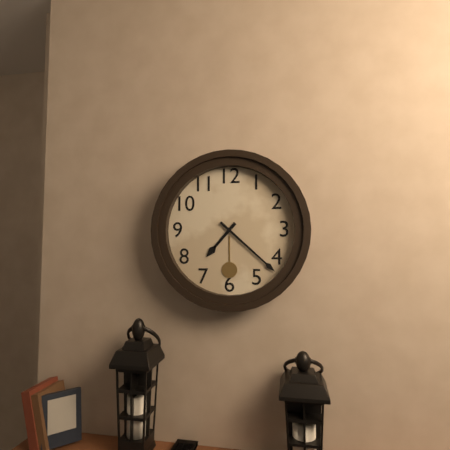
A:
7:22
